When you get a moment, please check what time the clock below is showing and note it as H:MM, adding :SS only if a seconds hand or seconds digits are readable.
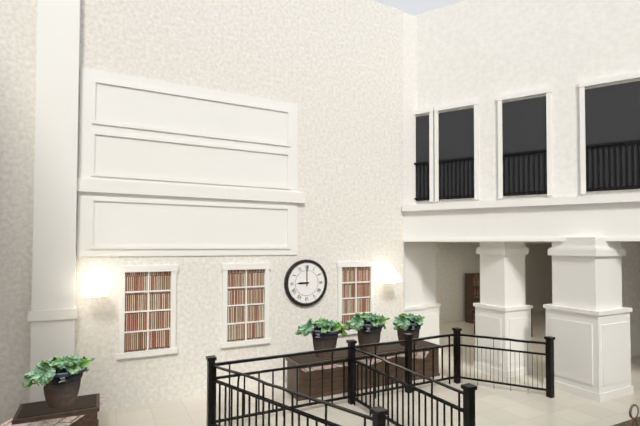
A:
9:00
